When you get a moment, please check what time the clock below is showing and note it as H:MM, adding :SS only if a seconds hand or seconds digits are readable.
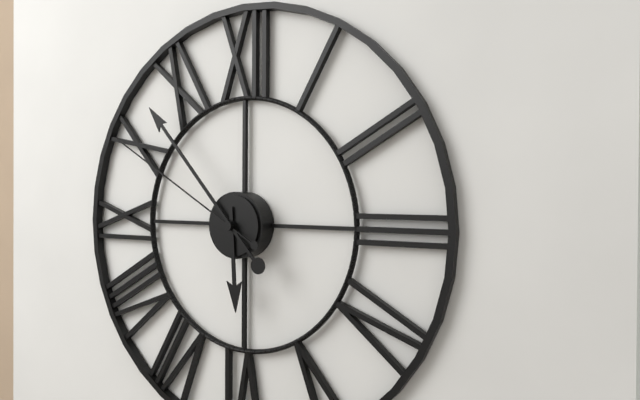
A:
5:53:50
